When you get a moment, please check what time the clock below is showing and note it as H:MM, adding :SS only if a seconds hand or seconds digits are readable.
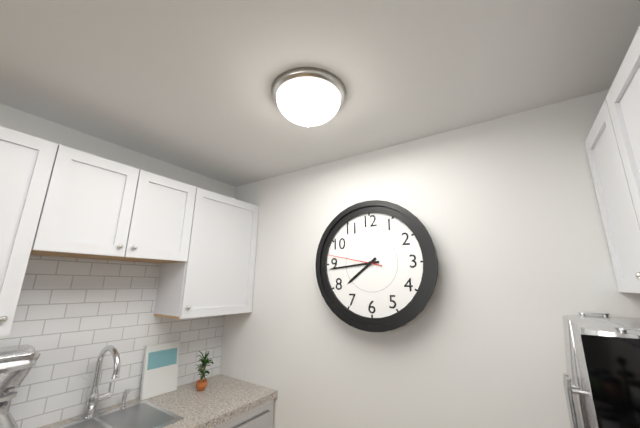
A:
7:44:47
